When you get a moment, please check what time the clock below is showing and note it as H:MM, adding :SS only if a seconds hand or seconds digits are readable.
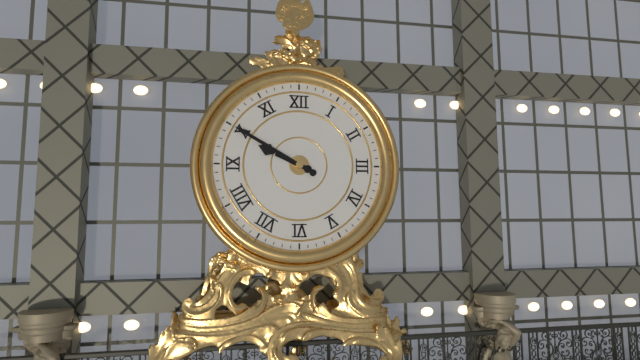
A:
9:50
